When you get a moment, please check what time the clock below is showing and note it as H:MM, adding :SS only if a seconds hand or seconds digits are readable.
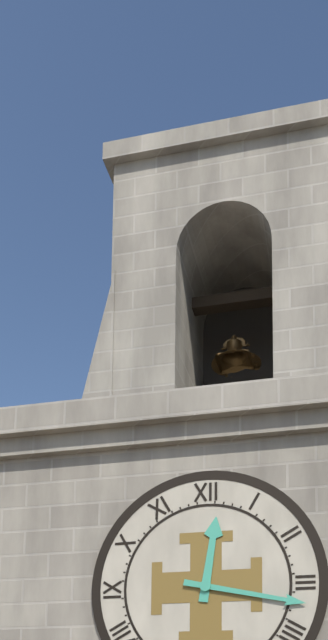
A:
12:17
